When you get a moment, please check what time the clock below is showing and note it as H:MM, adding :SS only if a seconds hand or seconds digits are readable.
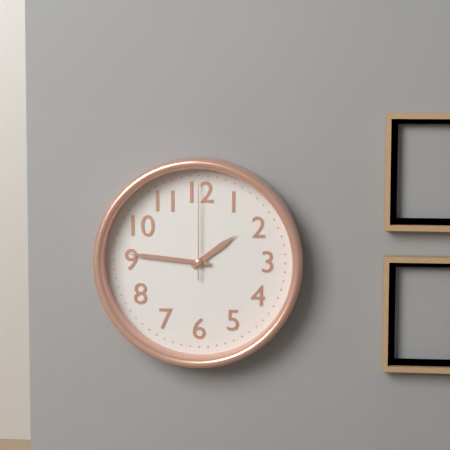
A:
1:46:00
